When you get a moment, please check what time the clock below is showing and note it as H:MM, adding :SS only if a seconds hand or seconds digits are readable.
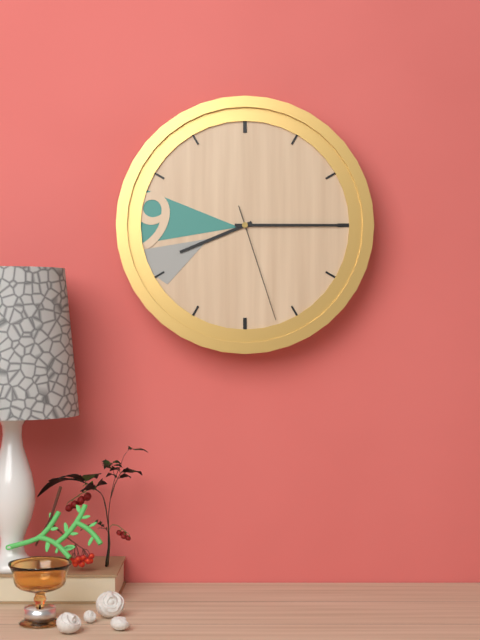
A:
8:15:27
